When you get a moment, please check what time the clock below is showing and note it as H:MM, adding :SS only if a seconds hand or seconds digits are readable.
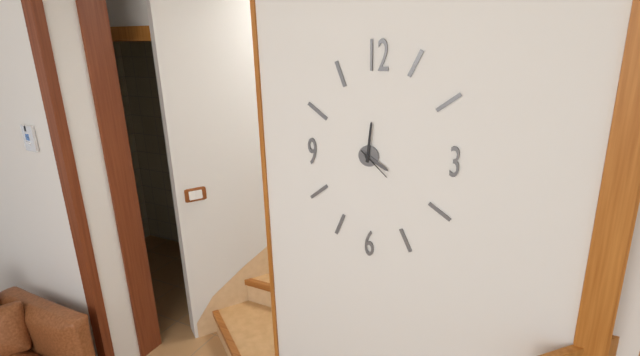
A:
4:01
